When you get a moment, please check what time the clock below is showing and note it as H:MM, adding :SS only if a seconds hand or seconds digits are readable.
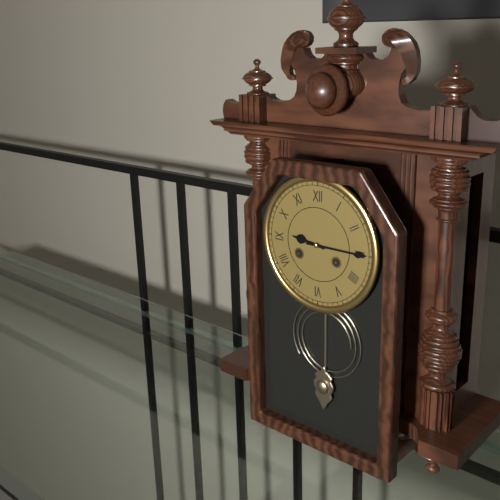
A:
9:15
